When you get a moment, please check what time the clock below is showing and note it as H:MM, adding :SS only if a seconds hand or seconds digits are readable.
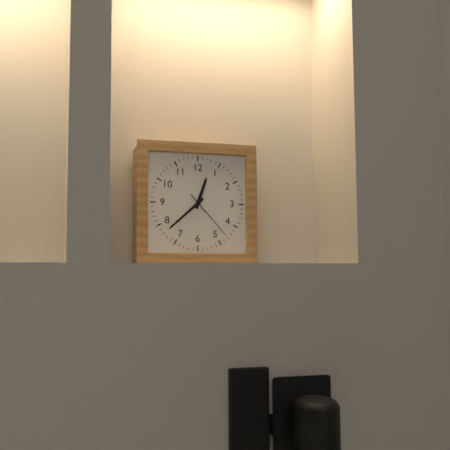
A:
12:38:23
